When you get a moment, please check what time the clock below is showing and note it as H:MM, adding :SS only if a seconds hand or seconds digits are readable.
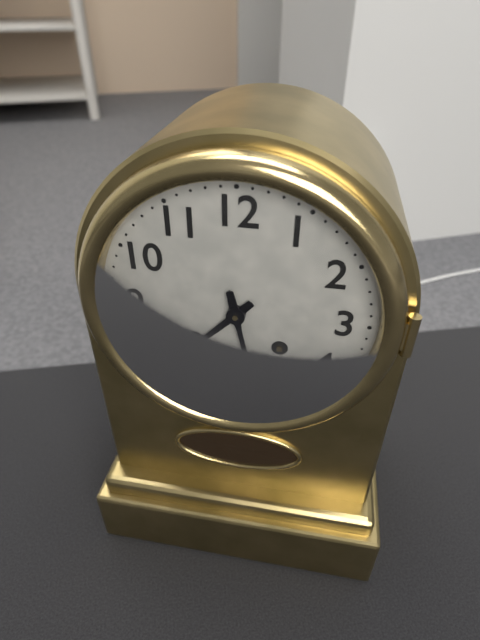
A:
7:28
